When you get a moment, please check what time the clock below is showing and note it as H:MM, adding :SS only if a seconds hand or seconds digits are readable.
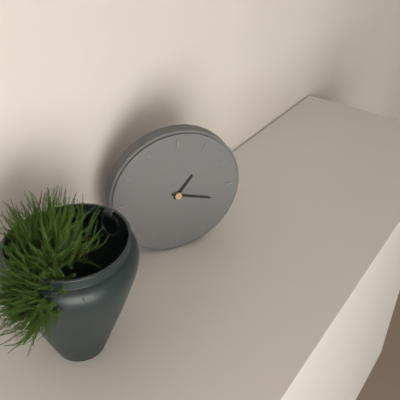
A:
1:18
